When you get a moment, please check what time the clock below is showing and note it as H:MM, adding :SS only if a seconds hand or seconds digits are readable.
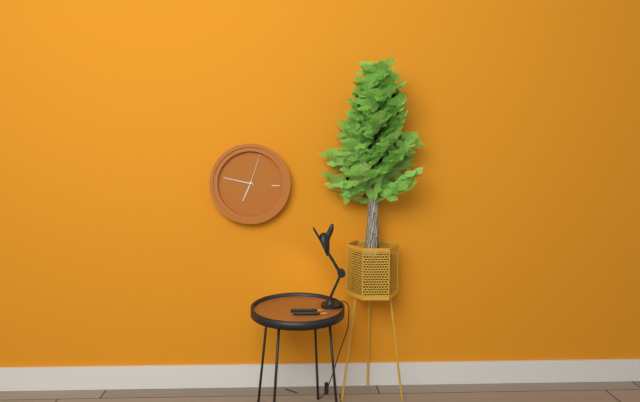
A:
6:47
